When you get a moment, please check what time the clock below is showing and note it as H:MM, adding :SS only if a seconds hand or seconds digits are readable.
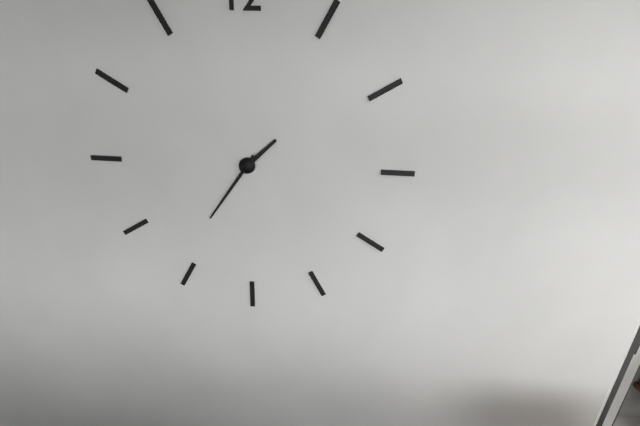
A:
1:36
